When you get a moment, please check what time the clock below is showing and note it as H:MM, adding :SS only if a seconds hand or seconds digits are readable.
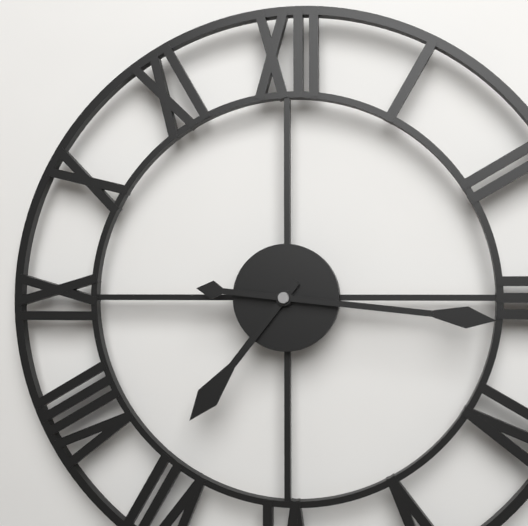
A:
7:16
